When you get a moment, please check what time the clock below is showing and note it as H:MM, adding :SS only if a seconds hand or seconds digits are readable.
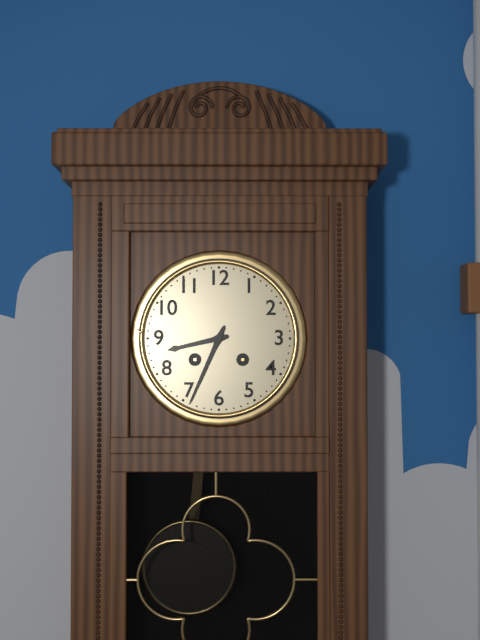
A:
8:34
